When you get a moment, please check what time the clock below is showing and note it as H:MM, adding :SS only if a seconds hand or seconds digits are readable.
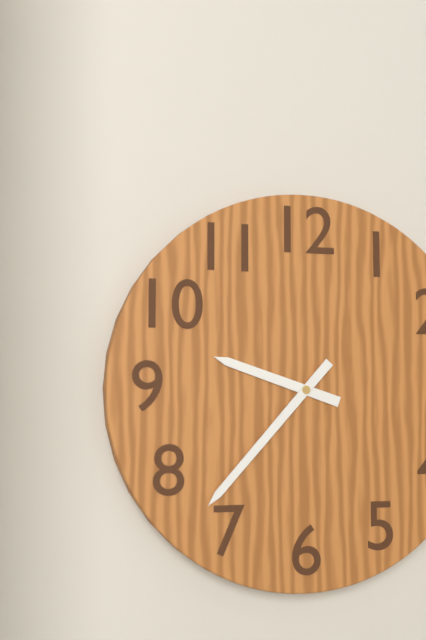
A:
9:37
